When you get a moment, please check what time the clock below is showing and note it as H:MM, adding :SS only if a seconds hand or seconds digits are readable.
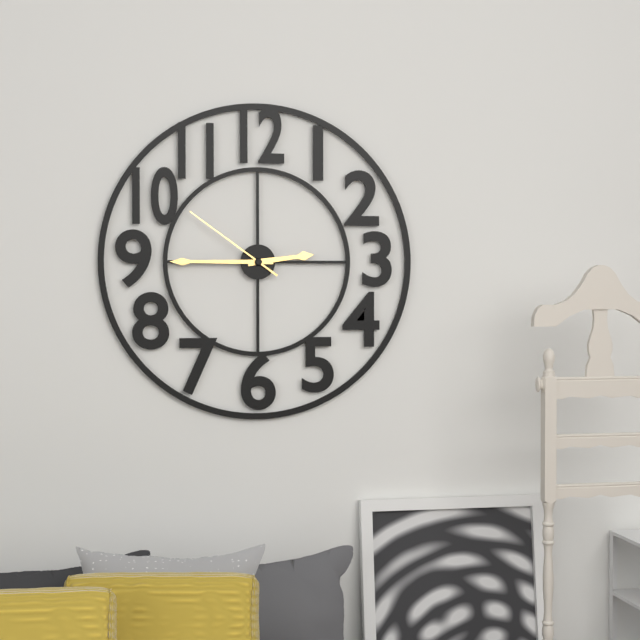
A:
2:45:51
